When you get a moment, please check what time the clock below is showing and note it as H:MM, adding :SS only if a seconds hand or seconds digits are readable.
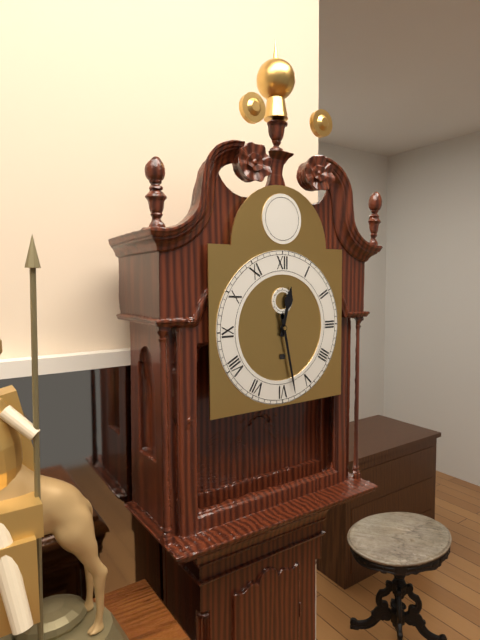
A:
12:28
